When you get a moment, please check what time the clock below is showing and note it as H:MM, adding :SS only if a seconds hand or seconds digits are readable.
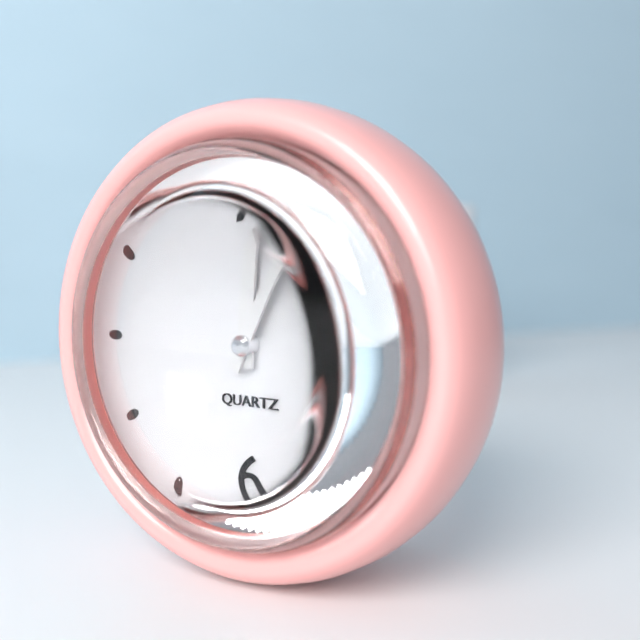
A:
12:04
